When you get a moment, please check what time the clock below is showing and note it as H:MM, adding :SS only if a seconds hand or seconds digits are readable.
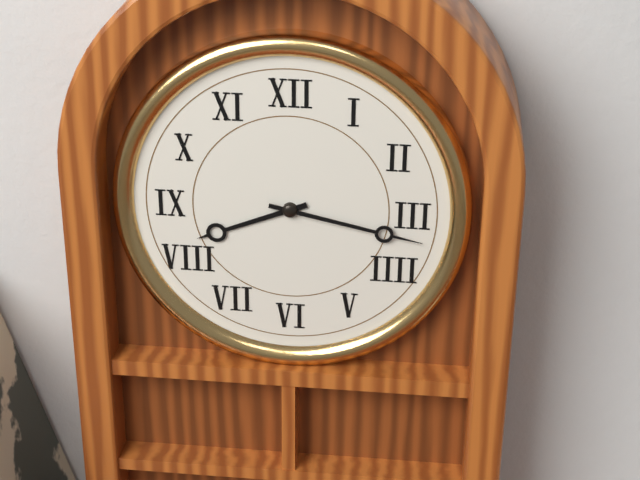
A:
8:17
